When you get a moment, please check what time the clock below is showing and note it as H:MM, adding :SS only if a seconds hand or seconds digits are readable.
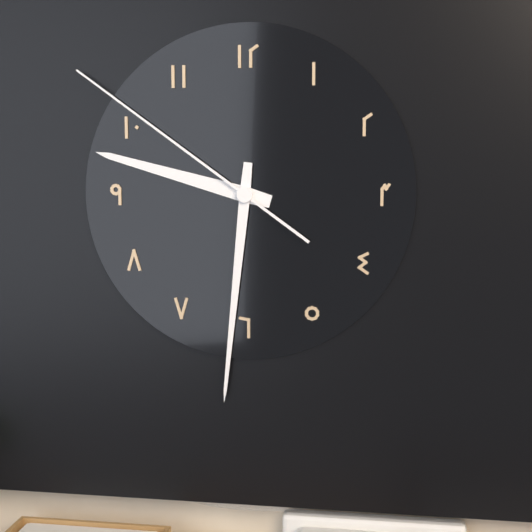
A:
9:31:51
